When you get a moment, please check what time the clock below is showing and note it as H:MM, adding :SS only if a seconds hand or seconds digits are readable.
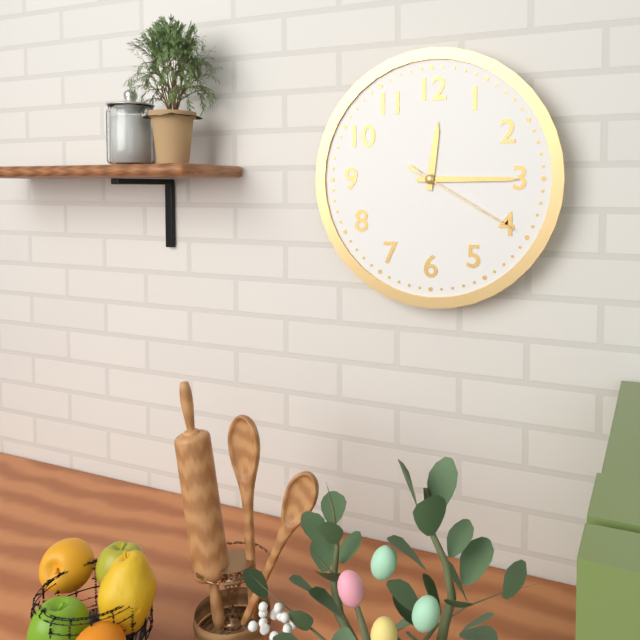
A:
12:15:20
